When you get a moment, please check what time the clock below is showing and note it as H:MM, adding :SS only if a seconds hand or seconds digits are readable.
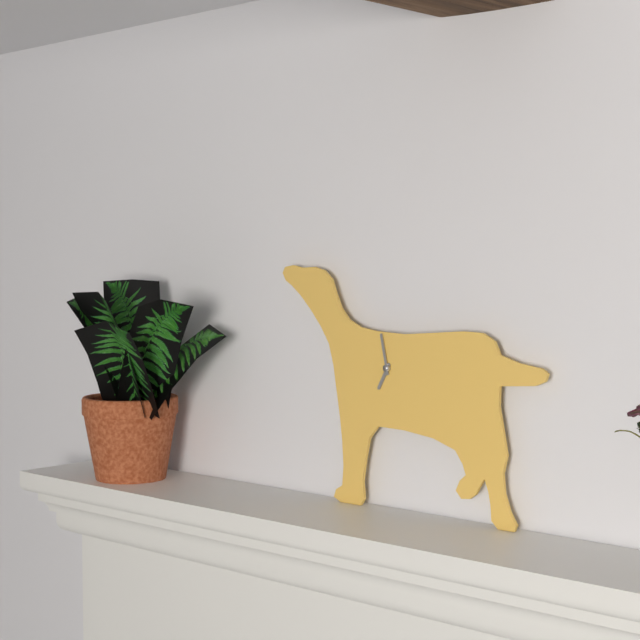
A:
6:58
